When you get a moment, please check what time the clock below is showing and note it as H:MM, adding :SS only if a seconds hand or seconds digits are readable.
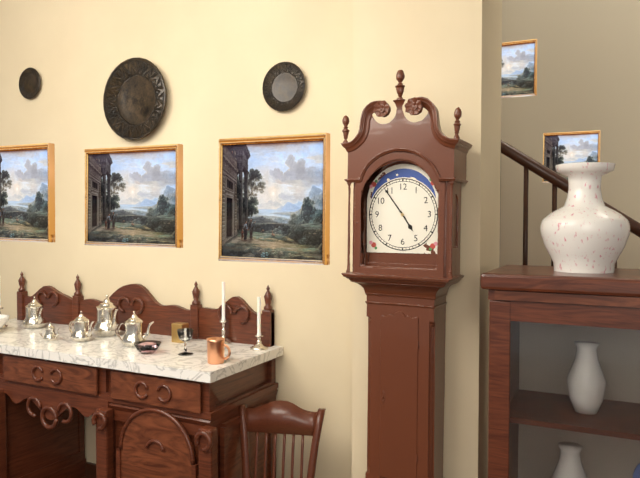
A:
4:54
